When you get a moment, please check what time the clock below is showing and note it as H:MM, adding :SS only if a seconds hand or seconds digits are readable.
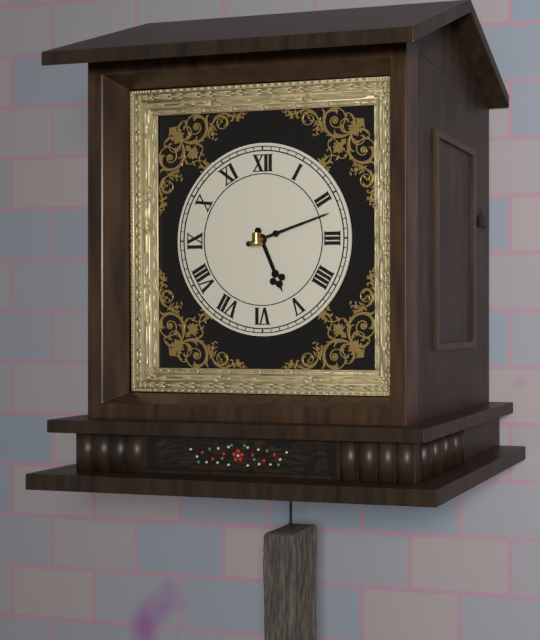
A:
5:12
